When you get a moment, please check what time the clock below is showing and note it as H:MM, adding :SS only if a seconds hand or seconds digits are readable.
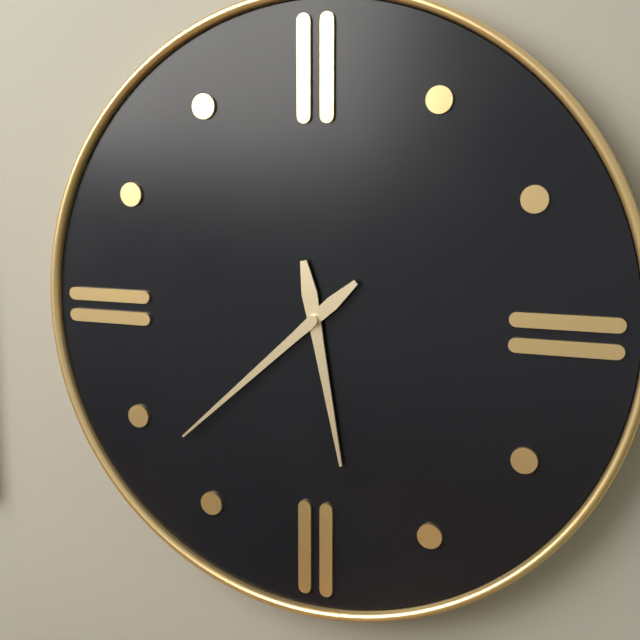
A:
5:38
